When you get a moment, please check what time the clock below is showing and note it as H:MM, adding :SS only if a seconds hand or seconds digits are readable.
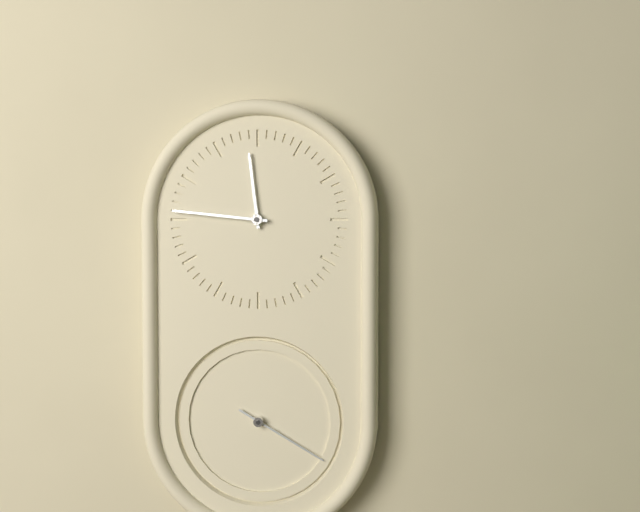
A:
11:46:20
